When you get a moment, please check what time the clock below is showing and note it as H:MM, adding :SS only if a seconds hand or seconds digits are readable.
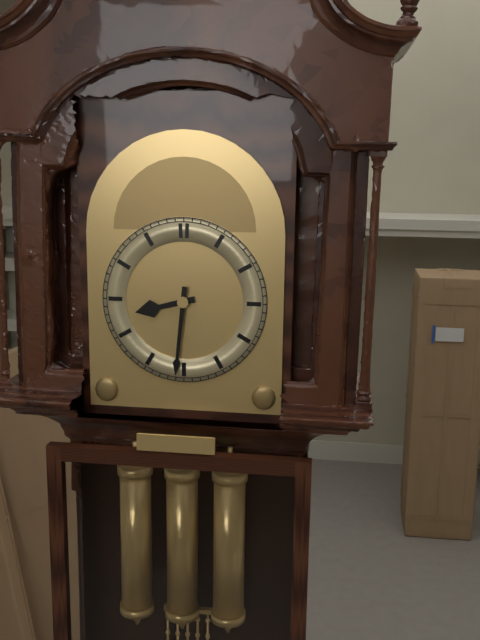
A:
8:31
